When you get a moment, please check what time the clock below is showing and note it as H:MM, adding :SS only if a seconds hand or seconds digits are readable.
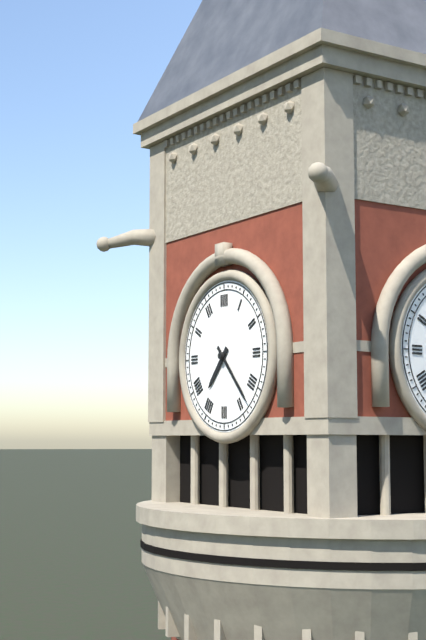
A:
7:23
